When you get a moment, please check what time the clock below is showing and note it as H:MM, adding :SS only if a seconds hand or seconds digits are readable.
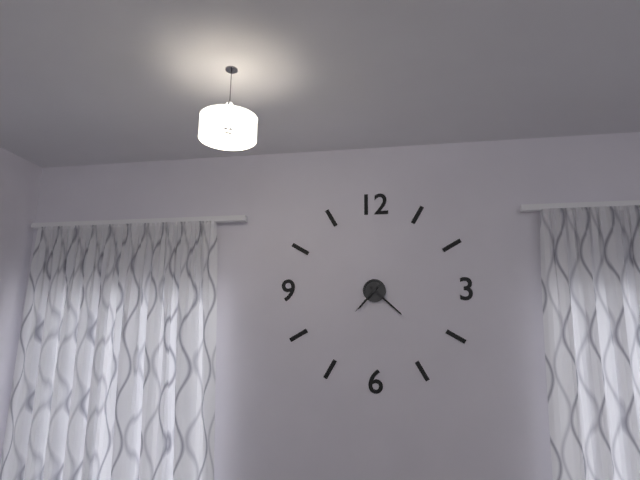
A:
7:22
